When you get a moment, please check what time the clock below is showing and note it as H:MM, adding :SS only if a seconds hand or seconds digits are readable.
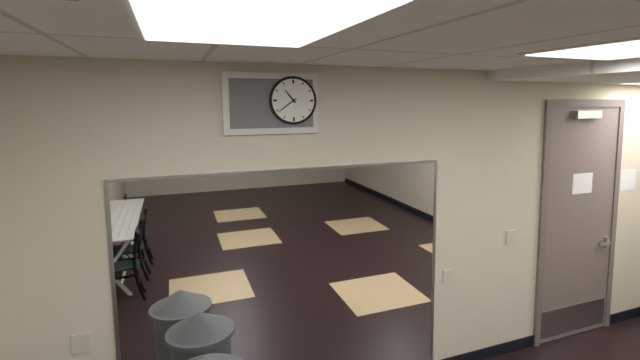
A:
10:39
